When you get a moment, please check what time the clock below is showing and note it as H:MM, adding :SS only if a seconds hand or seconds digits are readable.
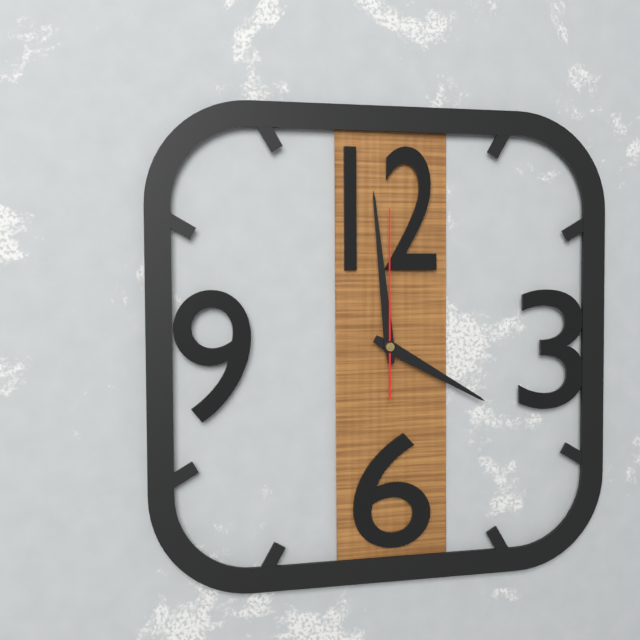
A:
3:59:00
